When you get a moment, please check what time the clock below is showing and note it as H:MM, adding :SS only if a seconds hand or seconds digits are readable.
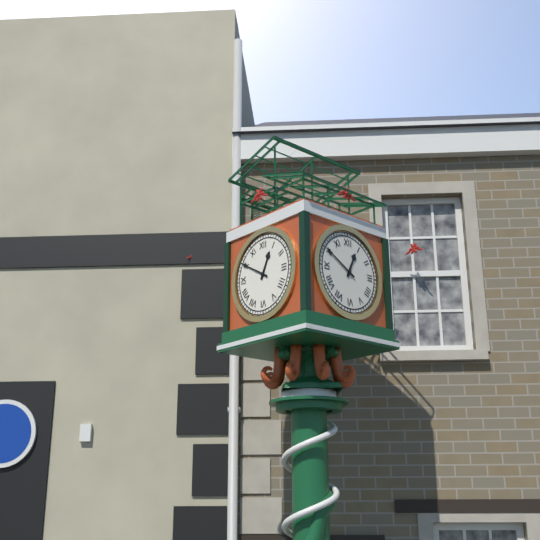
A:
12:50
